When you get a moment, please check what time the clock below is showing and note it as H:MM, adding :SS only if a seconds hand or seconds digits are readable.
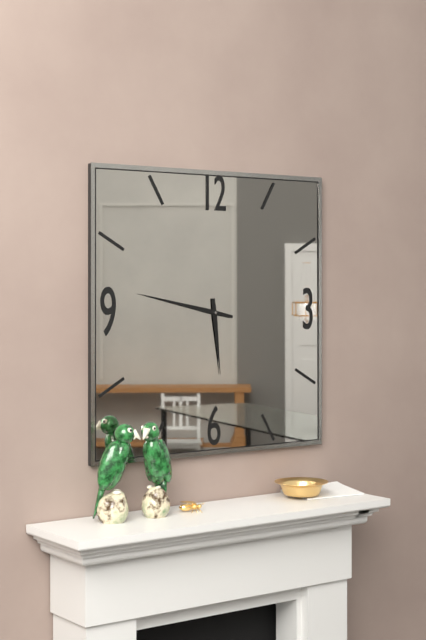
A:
5:47
